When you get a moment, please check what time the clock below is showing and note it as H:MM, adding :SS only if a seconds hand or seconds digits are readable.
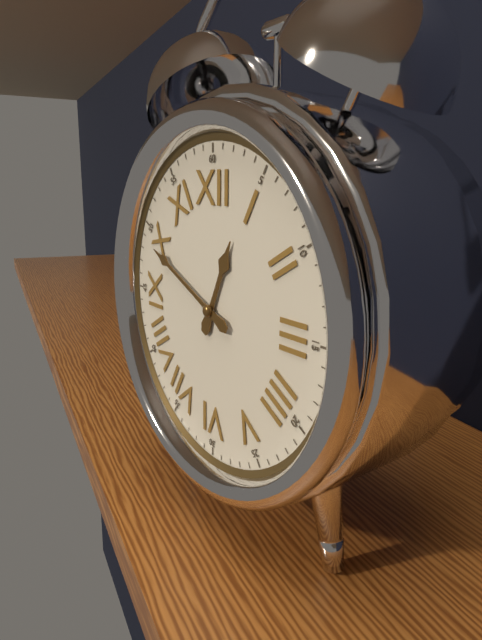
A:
12:49
